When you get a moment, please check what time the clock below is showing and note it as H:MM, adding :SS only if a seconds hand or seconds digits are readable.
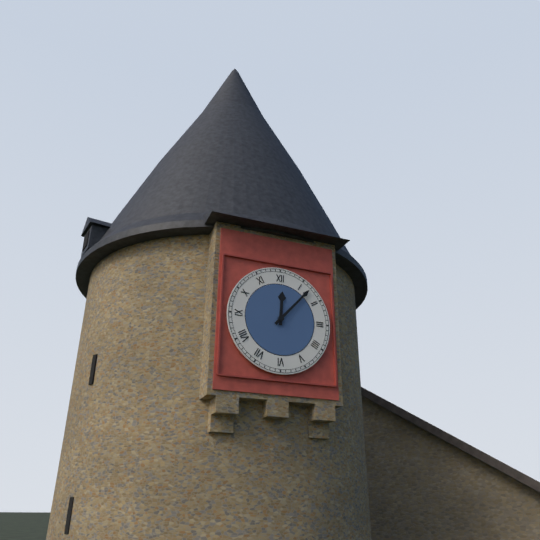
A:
12:07
